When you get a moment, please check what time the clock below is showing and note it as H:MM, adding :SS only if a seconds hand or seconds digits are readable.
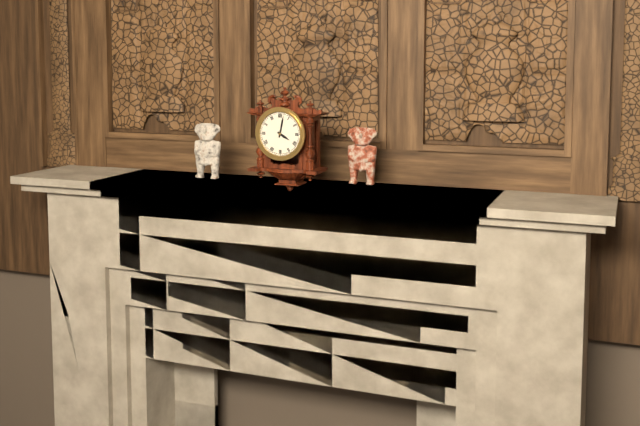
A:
4:02
